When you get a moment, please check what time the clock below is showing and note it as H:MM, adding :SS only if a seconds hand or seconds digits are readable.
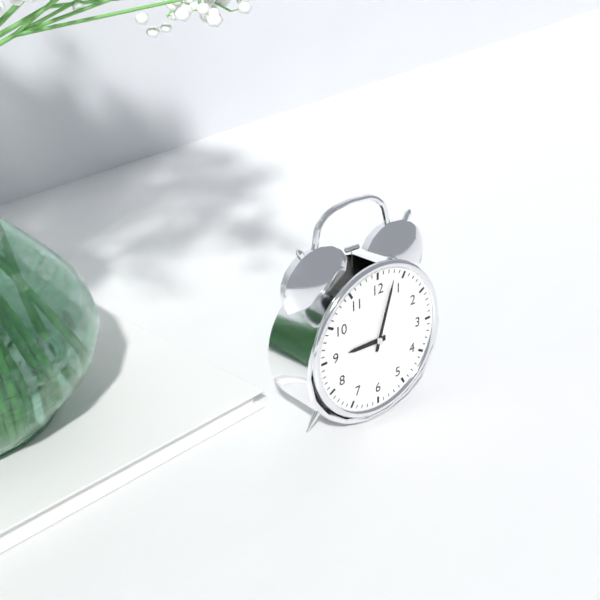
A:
9:03
